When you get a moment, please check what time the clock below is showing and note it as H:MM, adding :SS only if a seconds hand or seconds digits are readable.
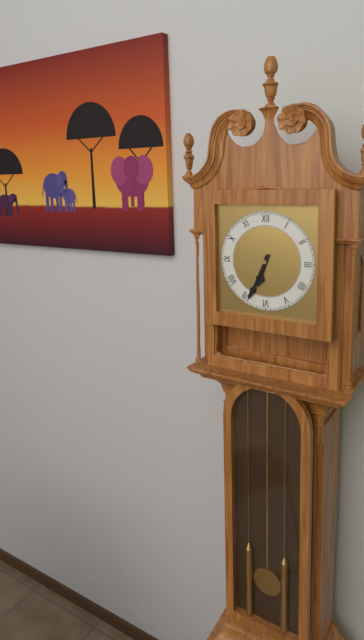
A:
6:34
